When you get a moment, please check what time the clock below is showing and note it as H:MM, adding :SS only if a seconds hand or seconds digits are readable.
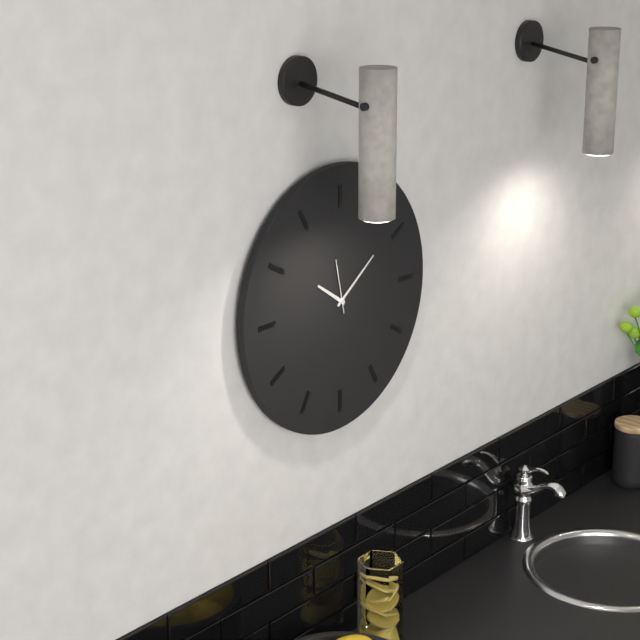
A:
10:09:58
